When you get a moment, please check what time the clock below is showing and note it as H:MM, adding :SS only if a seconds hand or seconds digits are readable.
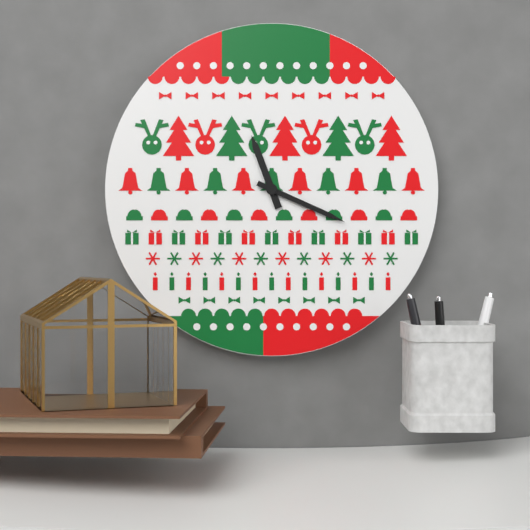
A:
11:19
